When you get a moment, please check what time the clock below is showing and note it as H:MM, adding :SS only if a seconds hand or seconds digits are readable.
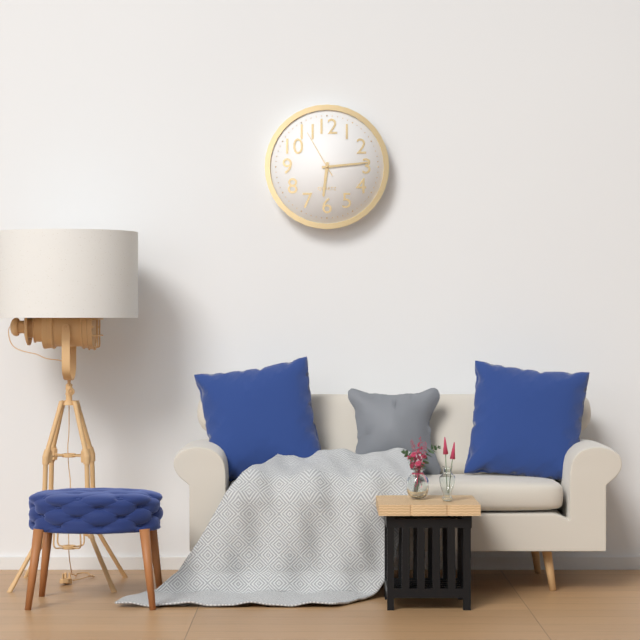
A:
6:14
